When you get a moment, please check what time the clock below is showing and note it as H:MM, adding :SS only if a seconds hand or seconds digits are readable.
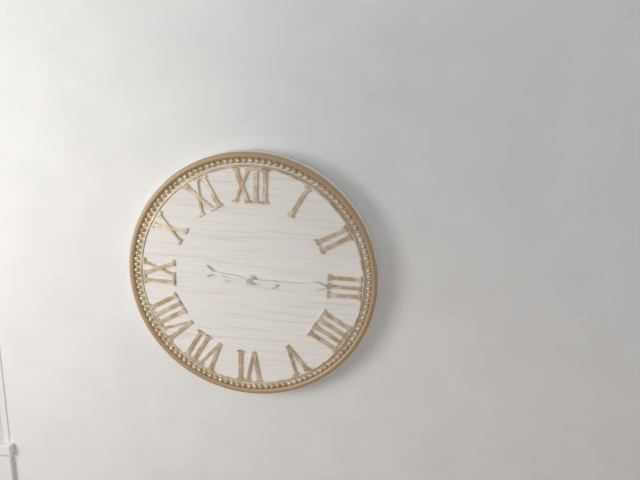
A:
9:15
